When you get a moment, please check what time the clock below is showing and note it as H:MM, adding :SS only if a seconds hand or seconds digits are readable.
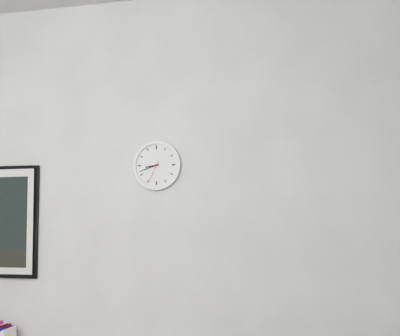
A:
8:42
